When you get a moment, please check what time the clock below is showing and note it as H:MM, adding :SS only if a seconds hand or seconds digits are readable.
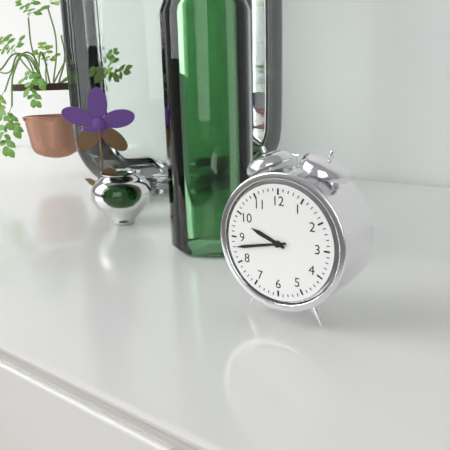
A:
9:43
